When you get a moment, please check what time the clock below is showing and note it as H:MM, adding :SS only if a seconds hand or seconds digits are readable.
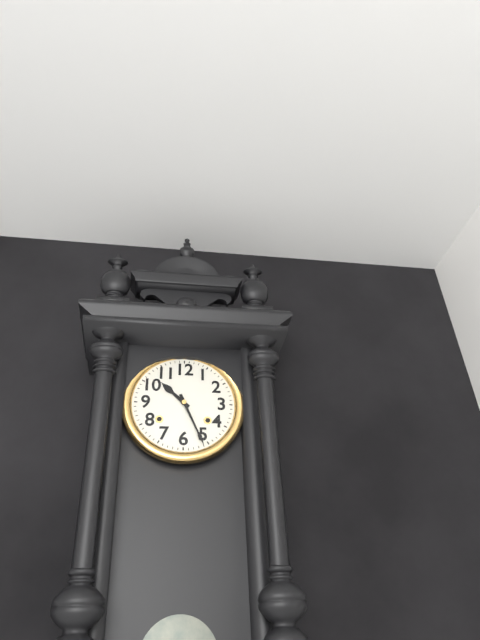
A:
10:26
